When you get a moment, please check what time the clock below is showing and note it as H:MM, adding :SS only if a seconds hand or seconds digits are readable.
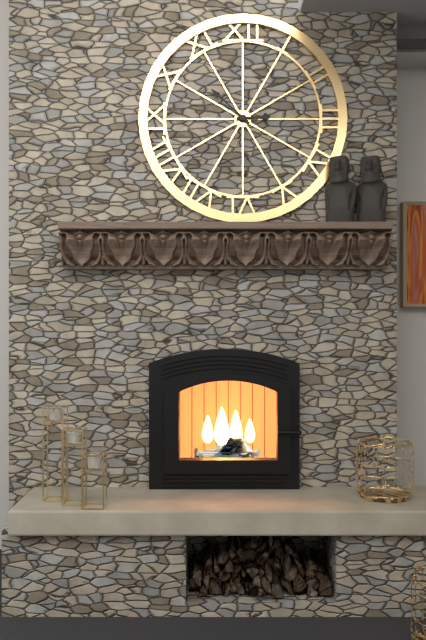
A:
2:52
